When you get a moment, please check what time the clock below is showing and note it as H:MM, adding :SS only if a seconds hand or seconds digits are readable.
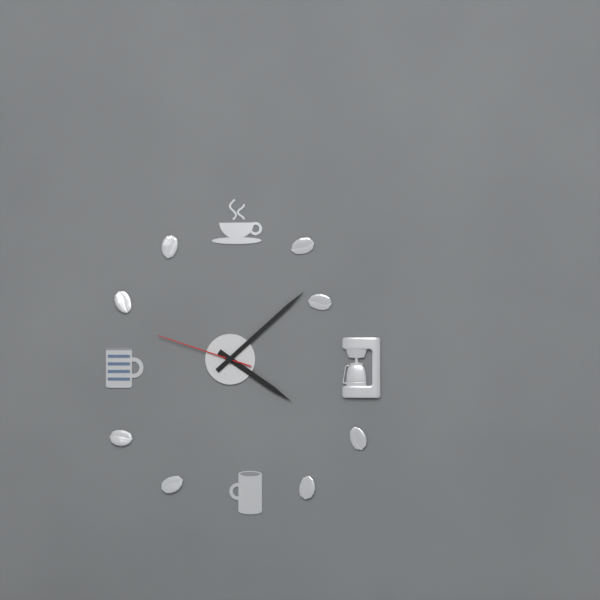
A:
4:08:48
